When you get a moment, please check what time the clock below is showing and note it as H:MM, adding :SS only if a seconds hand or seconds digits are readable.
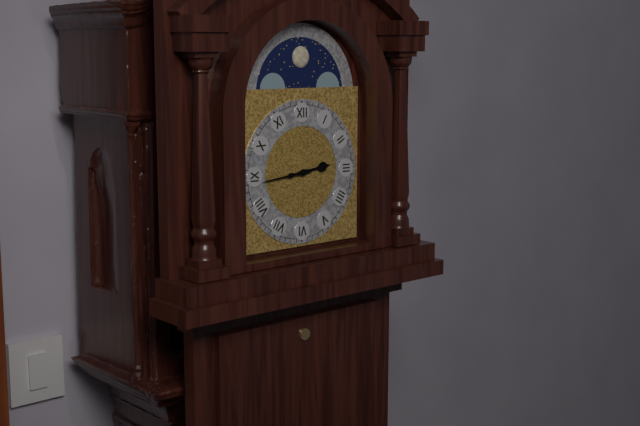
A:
2:44
